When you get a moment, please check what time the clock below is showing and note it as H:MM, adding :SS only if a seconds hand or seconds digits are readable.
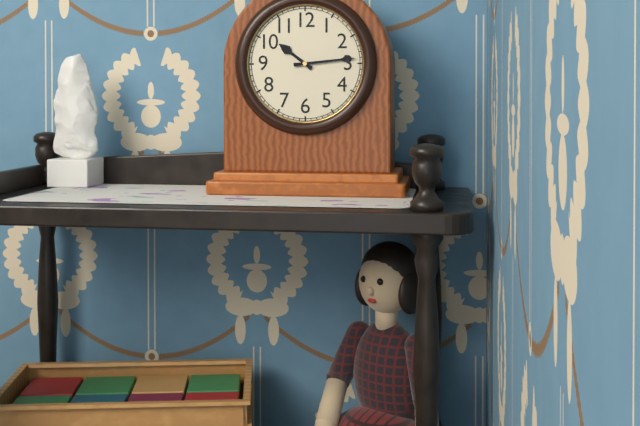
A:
10:14
